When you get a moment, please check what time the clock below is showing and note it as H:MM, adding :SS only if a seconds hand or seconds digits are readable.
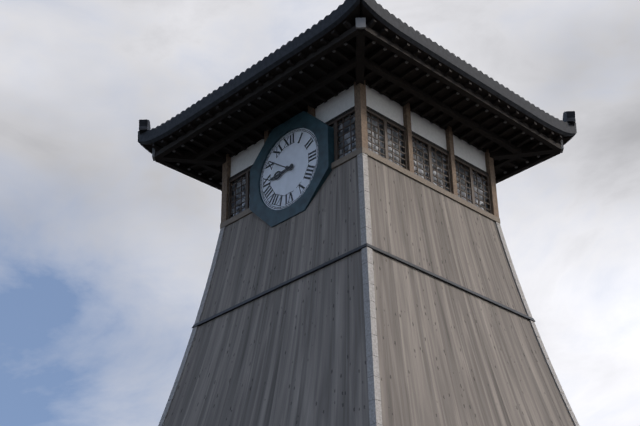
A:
8:51
